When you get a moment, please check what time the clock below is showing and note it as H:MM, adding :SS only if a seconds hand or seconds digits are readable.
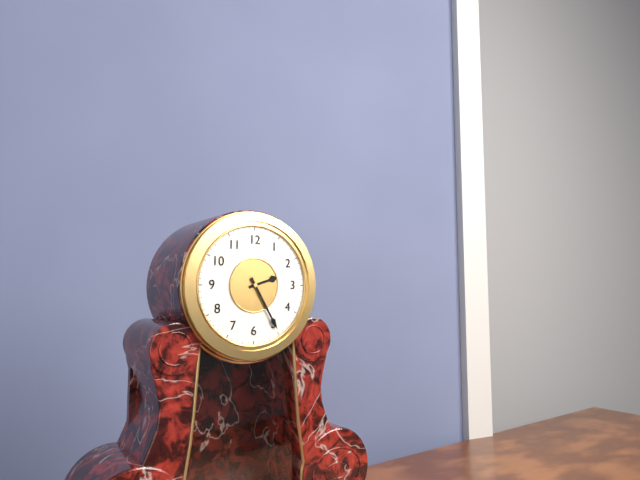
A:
2:25
